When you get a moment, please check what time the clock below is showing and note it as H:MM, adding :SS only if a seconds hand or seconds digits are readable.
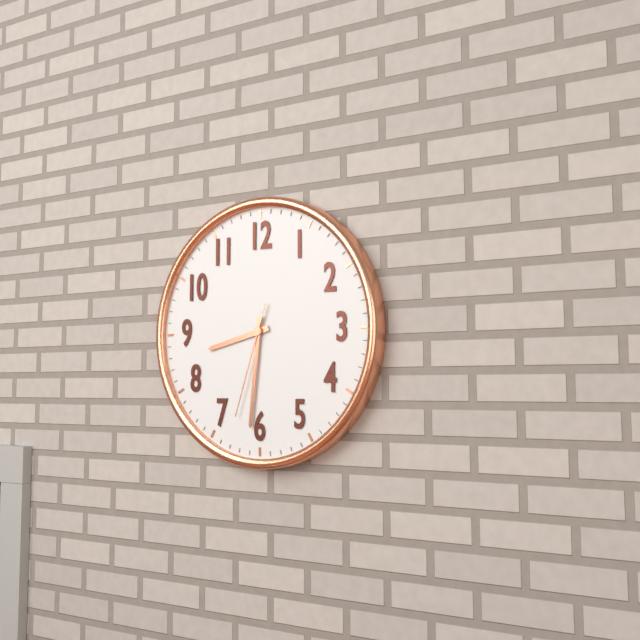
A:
8:31:33
